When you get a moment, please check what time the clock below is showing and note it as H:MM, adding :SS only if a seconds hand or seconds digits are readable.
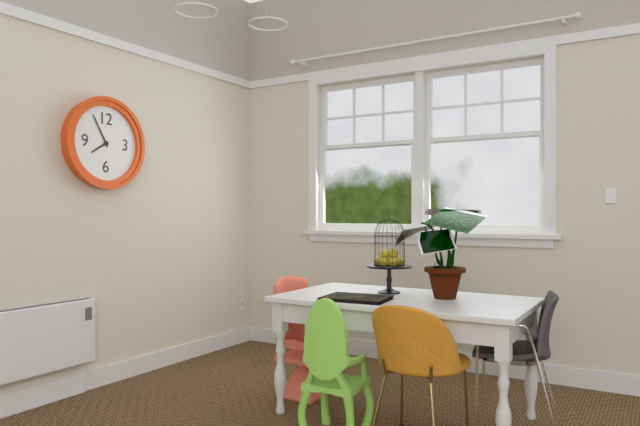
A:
7:55
